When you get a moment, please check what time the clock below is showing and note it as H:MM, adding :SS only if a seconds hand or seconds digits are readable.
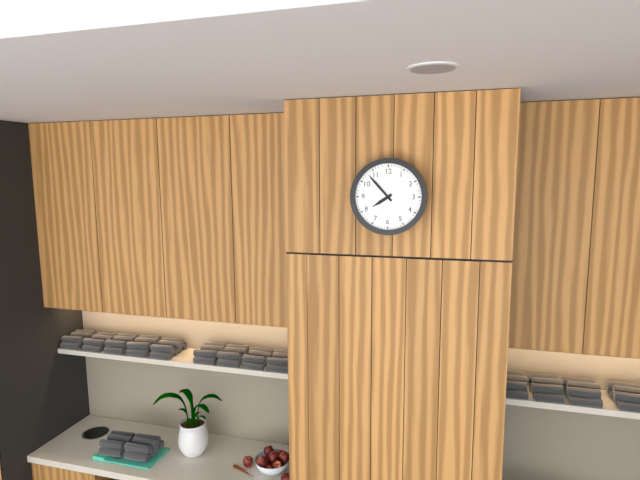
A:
7:53
